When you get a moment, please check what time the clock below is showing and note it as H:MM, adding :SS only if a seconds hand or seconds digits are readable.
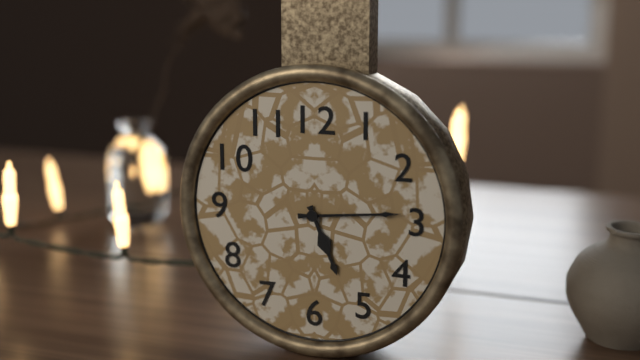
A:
5:14
